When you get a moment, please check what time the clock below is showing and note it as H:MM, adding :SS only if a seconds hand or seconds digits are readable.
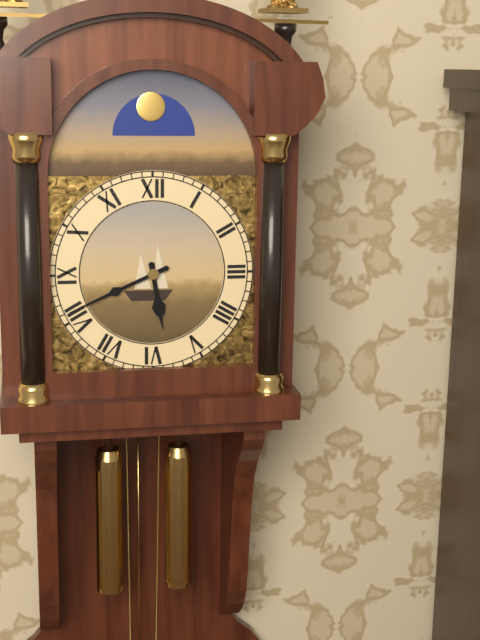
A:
5:41
